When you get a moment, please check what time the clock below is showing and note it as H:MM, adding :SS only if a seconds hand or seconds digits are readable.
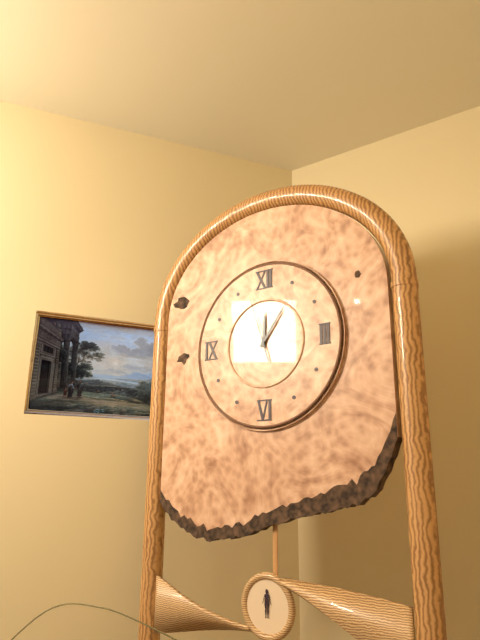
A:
12:06:57
